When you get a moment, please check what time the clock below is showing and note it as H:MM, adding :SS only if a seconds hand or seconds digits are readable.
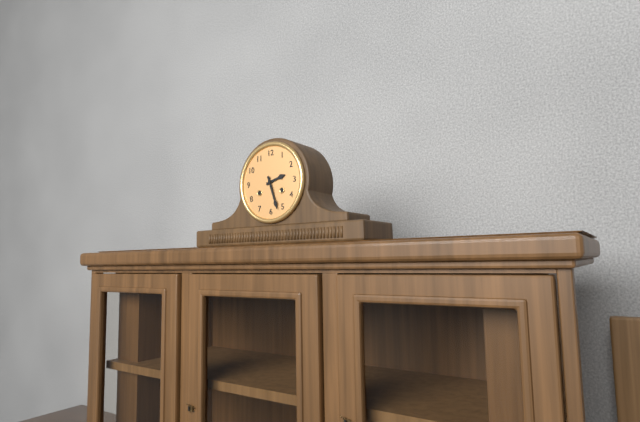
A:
2:27
